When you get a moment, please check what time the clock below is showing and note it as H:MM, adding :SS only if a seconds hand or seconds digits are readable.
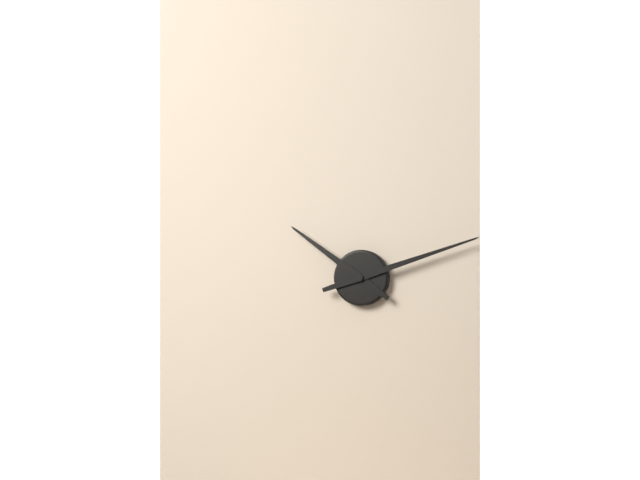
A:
10:12
